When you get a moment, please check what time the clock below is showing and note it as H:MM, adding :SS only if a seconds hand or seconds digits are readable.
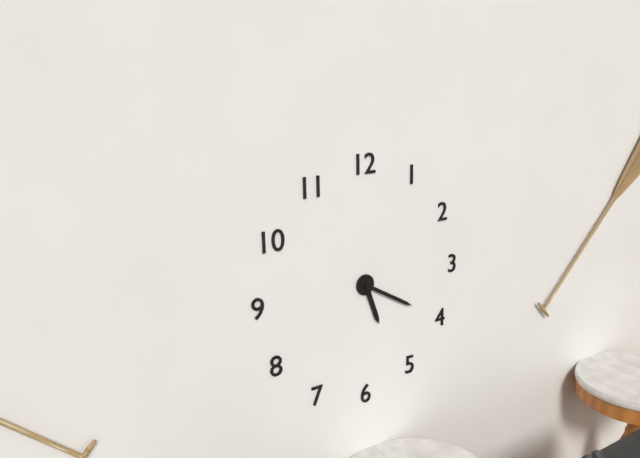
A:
5:20
